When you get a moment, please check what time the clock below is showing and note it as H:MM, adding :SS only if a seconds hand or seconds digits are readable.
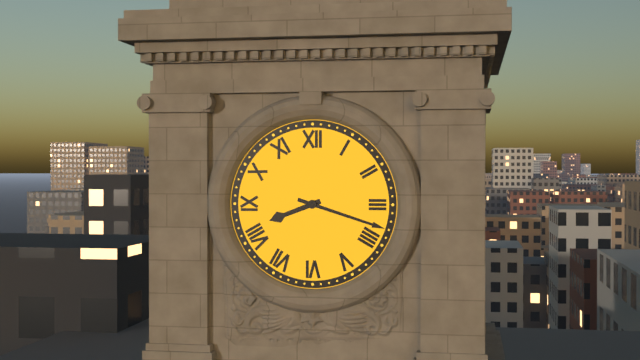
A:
8:18
